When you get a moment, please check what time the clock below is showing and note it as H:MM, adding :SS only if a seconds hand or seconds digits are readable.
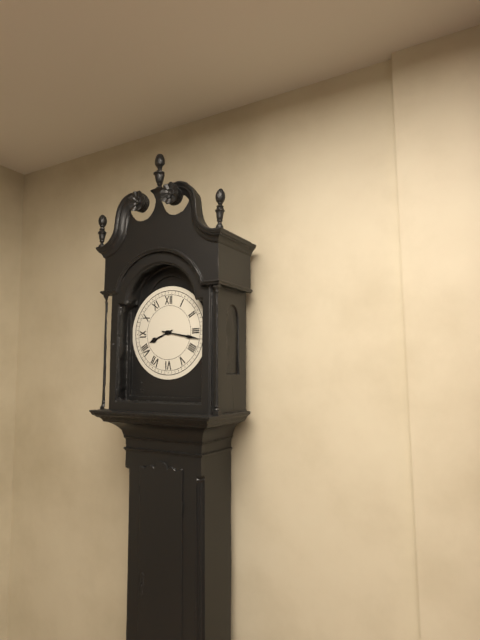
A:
8:17
